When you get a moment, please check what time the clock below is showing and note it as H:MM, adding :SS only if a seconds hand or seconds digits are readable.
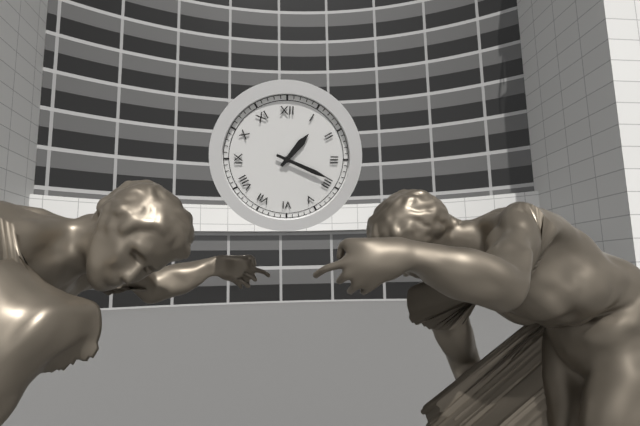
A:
1:19
